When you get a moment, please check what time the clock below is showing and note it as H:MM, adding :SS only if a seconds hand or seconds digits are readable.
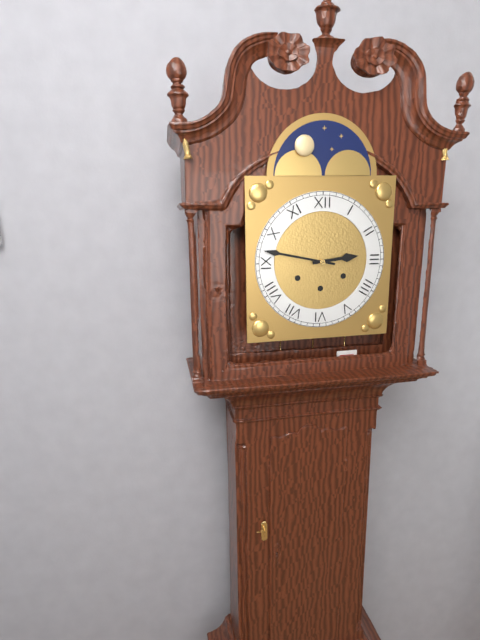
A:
2:47
